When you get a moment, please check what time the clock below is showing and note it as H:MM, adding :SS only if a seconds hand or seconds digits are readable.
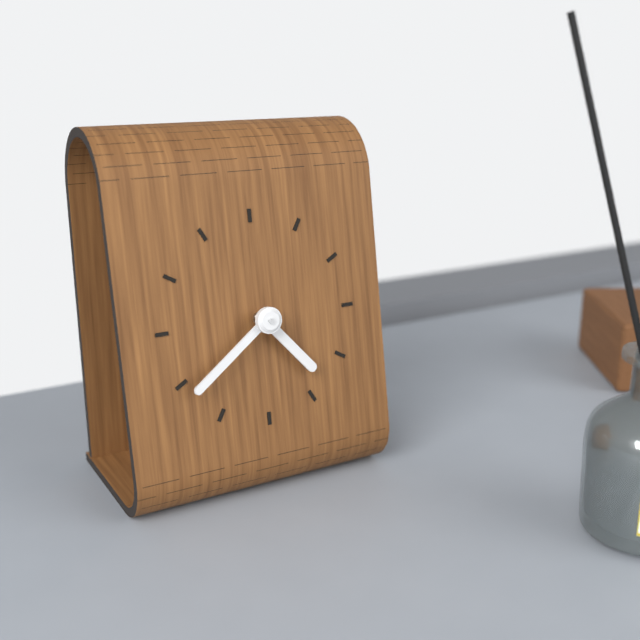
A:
4:39
